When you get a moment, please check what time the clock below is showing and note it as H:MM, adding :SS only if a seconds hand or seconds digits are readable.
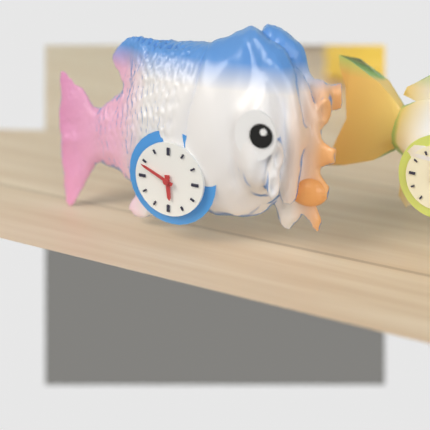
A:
5:49
